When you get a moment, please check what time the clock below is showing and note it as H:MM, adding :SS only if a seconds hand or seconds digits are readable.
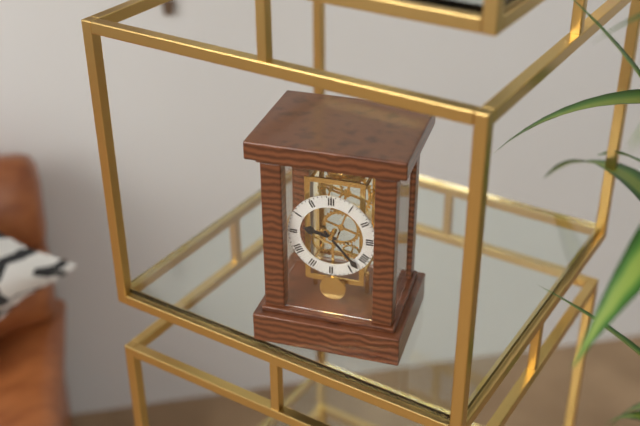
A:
9:23
